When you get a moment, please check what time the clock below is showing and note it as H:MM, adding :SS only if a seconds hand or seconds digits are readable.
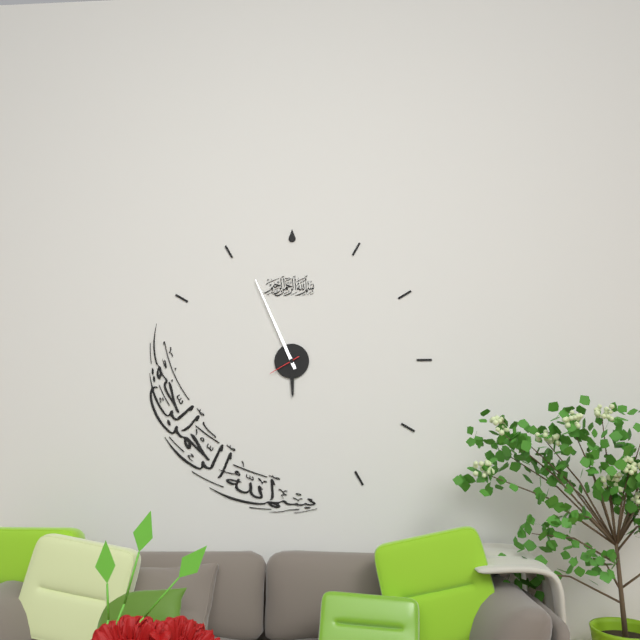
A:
5:56
